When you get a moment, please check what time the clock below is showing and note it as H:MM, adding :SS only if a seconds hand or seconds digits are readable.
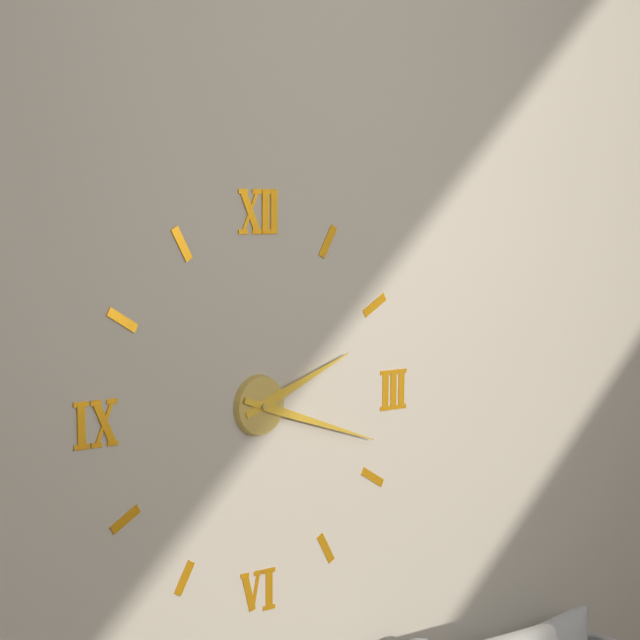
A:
2:18
